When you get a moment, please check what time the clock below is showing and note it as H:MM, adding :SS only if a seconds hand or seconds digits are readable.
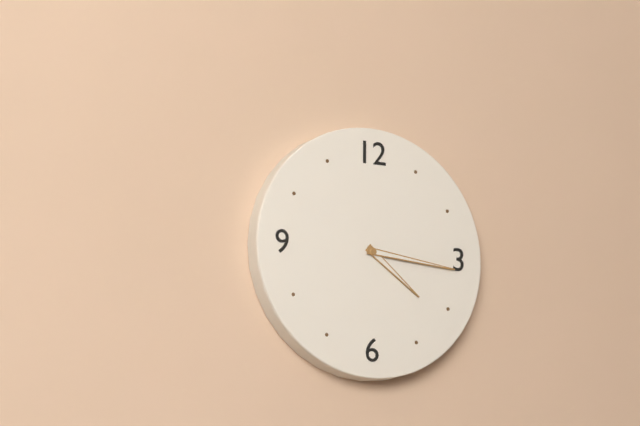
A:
4:16
